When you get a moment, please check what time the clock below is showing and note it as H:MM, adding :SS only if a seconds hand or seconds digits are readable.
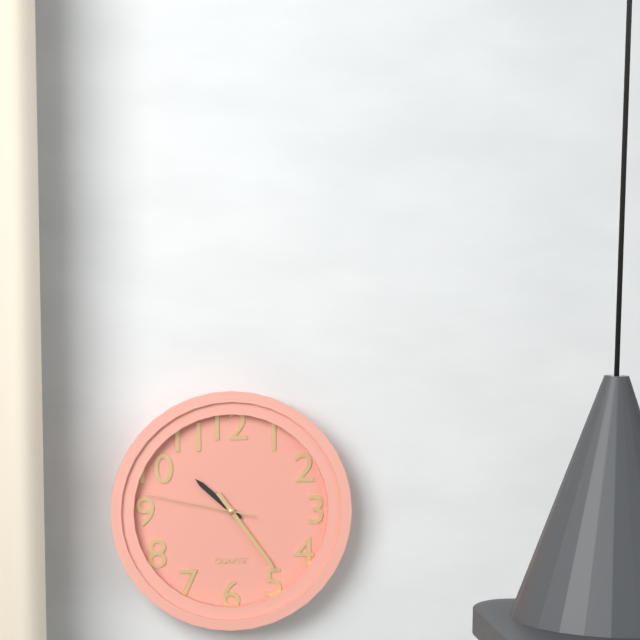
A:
10:24:47
